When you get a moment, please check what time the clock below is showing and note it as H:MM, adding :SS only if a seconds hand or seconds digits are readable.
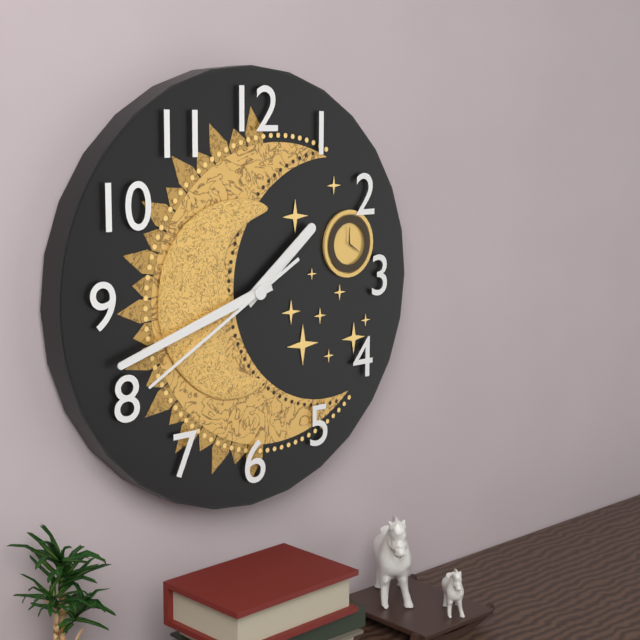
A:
1:42:40
